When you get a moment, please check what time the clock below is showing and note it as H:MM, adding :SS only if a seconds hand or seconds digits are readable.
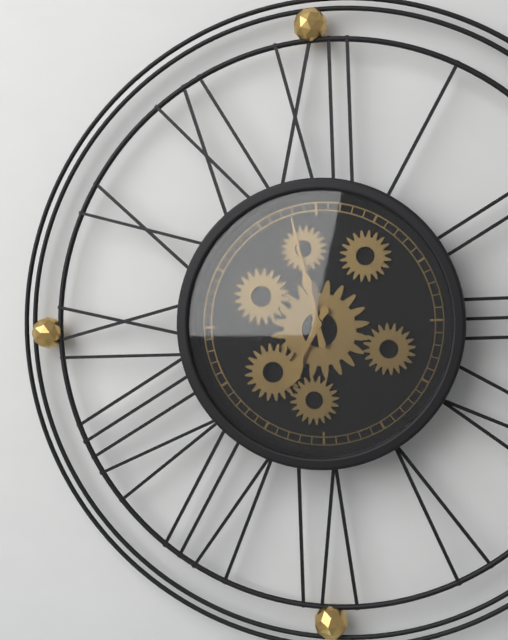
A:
6:58
